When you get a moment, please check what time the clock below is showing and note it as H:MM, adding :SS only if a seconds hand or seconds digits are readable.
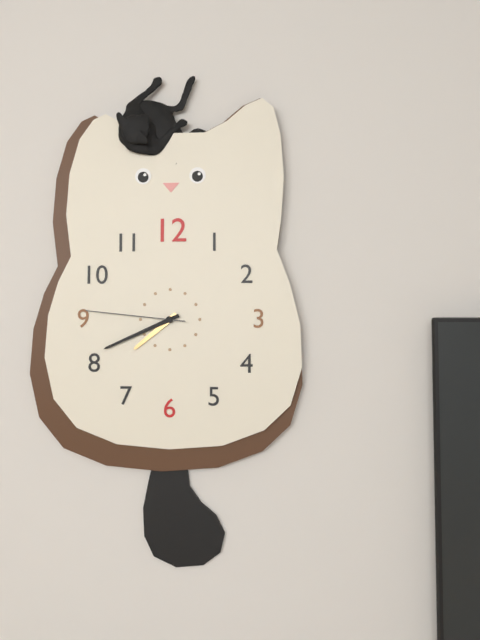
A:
7:41:46
